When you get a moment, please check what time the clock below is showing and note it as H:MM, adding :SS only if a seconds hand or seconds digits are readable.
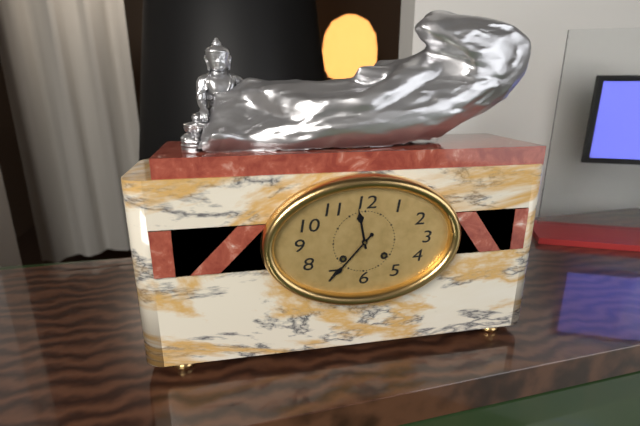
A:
11:37
